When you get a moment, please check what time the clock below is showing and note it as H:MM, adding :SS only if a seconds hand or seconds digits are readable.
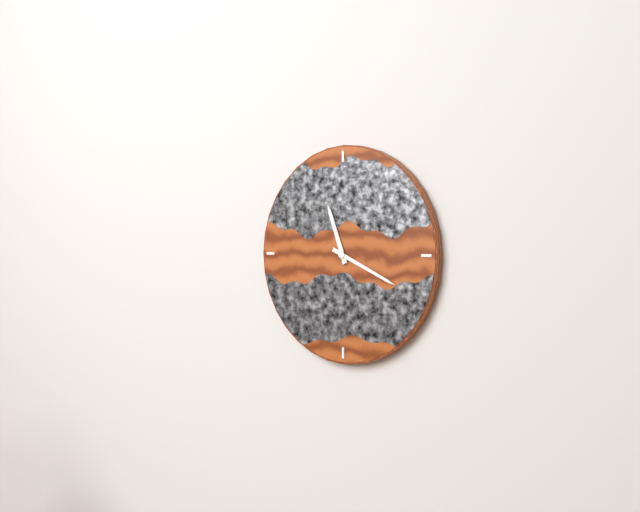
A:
11:19
